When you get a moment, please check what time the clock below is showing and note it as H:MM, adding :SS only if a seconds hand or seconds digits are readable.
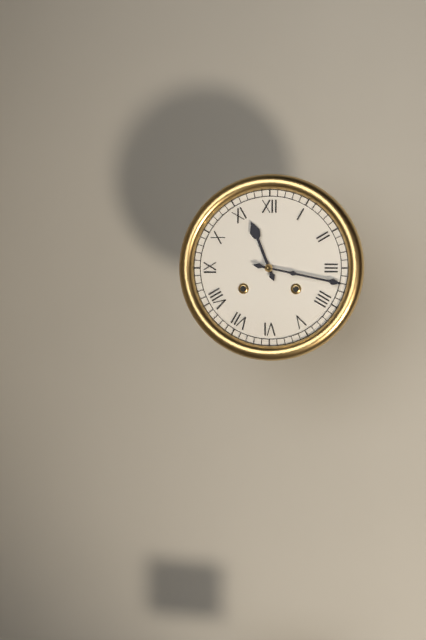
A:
11:17
